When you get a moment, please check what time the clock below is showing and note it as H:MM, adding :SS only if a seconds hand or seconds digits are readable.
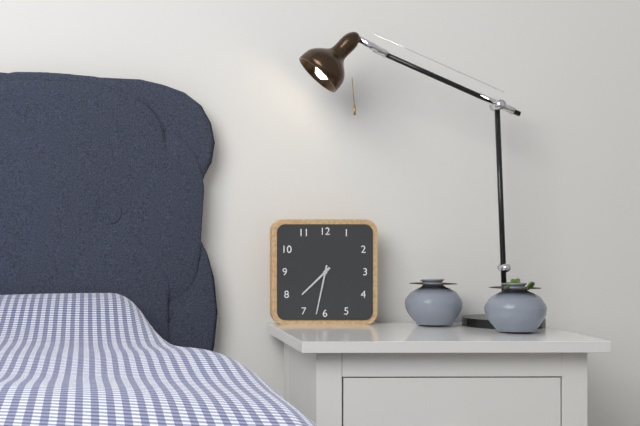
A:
7:32
